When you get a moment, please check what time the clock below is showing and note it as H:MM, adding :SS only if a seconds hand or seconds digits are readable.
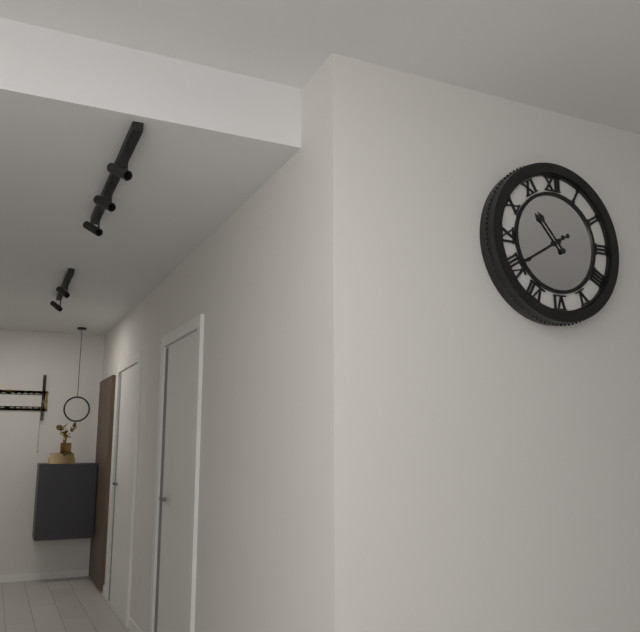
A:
10:40
